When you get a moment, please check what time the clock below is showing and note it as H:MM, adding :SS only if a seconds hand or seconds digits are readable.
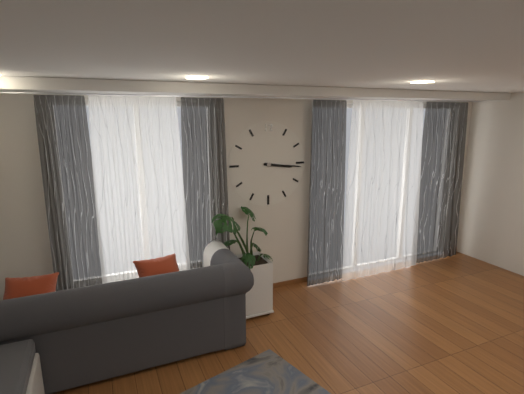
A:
3:16
